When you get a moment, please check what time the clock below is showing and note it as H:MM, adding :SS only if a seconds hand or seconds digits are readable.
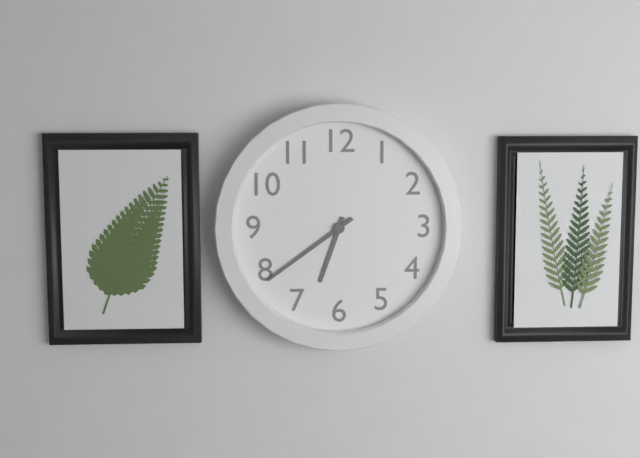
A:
6:39
